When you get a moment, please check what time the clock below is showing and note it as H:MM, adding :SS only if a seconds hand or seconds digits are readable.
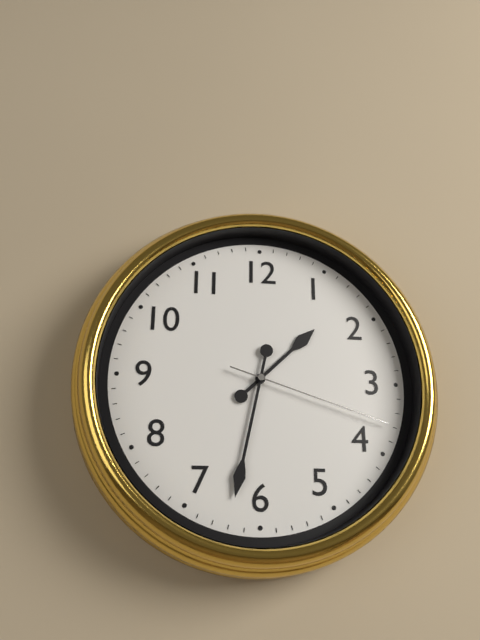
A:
1:32:18
